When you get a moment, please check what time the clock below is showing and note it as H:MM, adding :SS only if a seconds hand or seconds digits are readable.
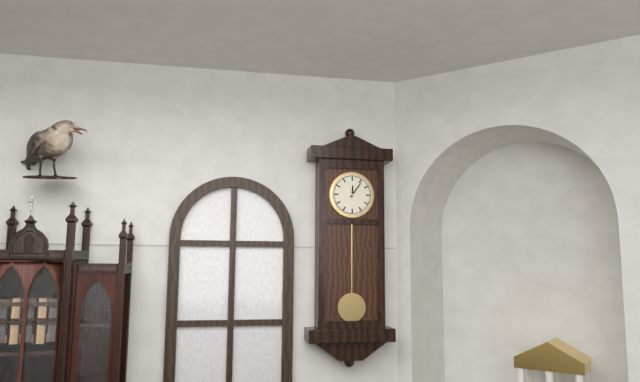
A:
12:06
